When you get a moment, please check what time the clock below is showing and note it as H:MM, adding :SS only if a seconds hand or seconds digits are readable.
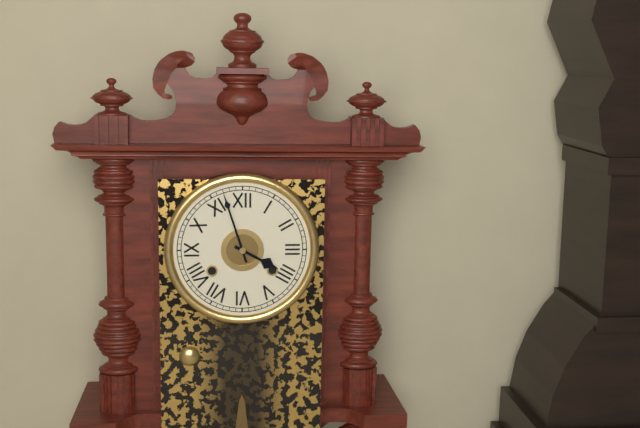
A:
3:57
